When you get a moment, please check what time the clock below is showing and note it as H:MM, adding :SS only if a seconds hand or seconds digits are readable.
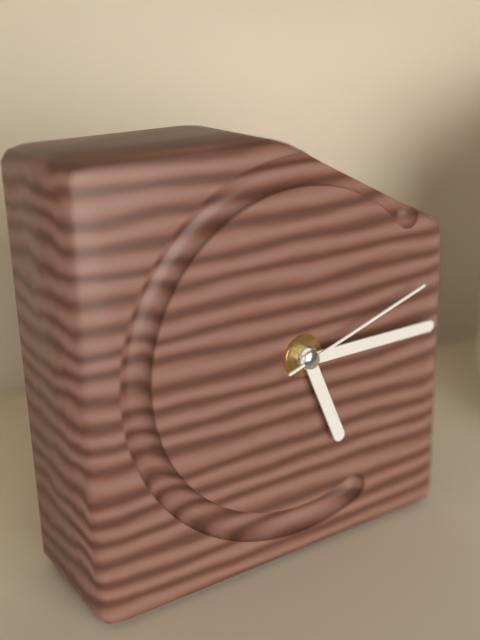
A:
5:15:12
